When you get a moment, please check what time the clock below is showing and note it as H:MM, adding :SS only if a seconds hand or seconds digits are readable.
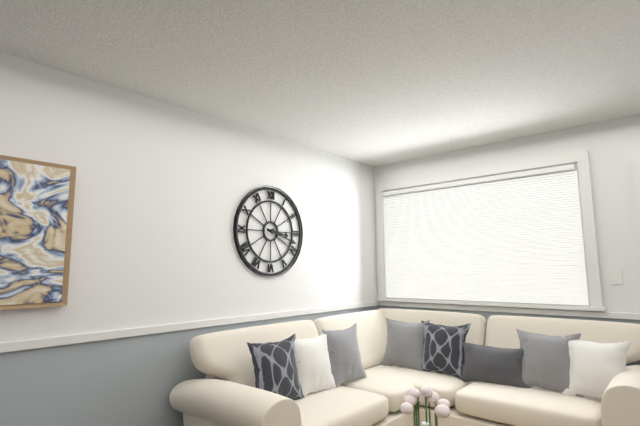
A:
3:18
